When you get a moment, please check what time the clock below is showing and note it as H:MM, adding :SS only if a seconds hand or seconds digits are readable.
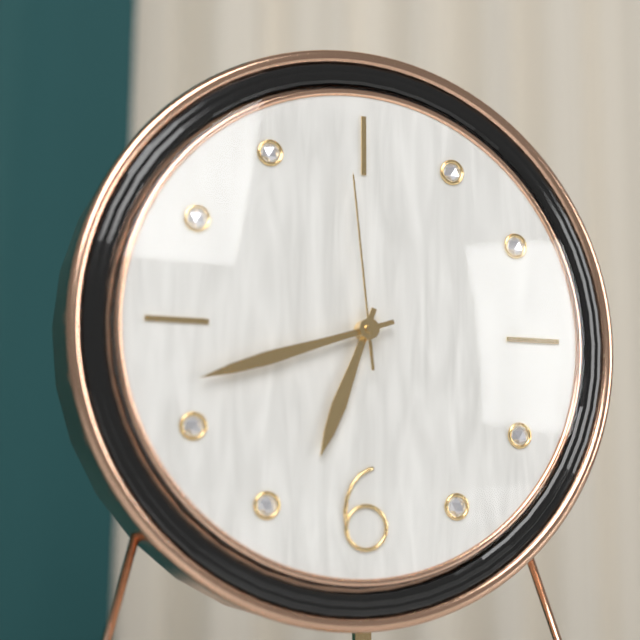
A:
6:42:59
